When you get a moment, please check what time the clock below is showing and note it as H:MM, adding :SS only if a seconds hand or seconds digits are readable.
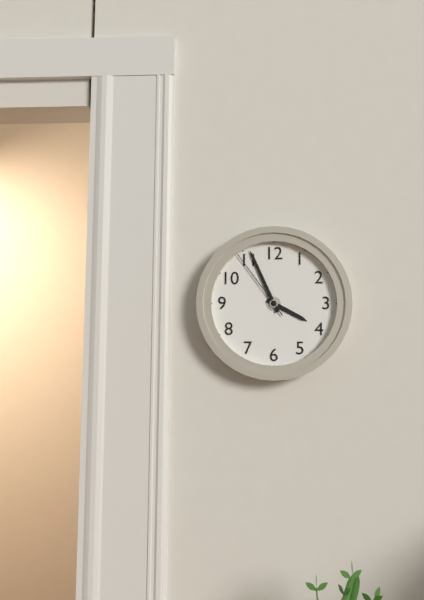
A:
3:56:54
